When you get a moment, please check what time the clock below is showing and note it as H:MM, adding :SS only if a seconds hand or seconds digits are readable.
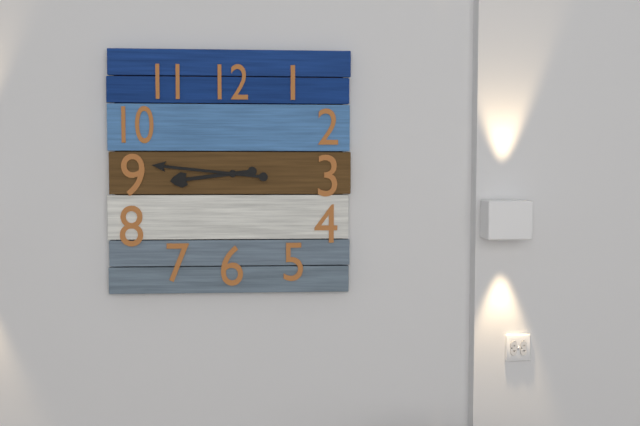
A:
8:46
